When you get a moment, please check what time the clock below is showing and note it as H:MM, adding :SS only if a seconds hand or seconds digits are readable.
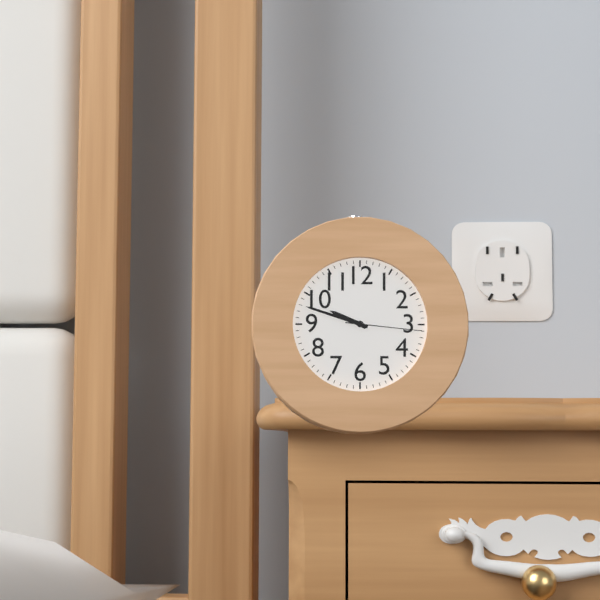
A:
9:48:16
